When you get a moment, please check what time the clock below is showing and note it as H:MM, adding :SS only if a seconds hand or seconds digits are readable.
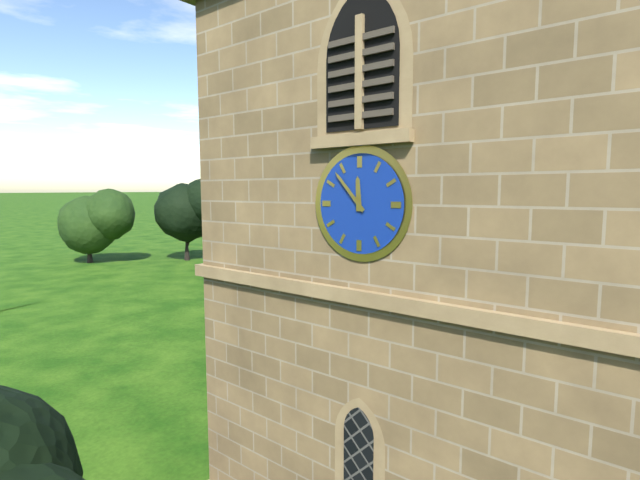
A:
11:53
